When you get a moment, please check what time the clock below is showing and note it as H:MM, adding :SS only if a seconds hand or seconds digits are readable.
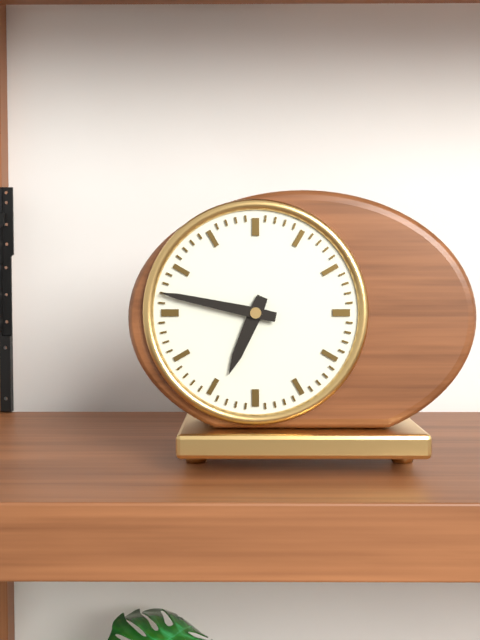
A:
6:47
